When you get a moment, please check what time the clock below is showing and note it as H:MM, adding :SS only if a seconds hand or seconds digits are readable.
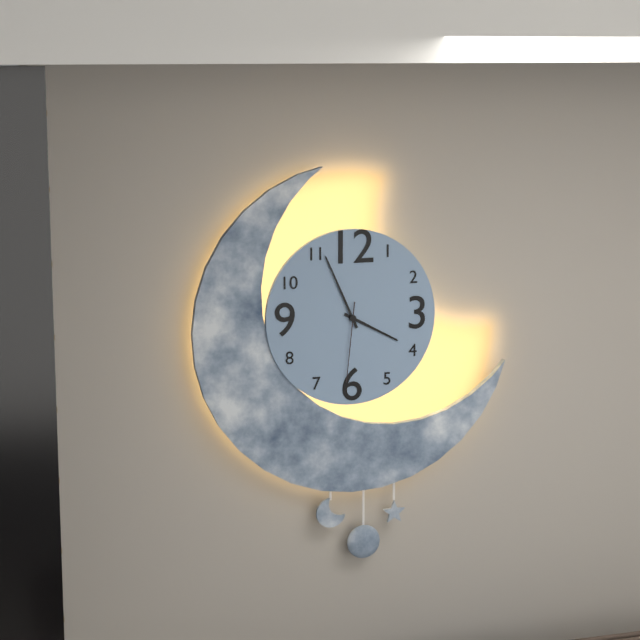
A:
3:56:31
